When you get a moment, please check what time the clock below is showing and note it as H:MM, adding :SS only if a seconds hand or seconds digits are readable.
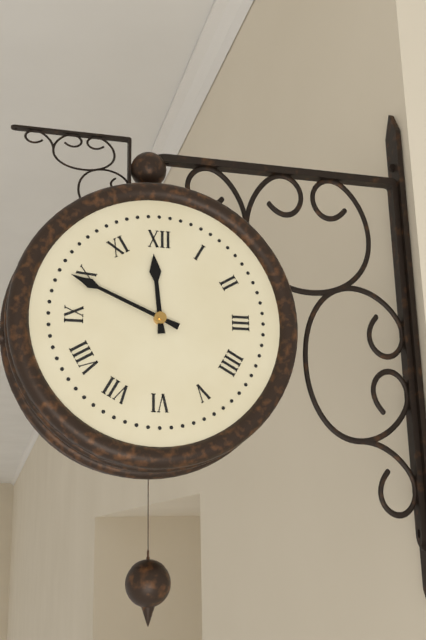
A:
11:49
